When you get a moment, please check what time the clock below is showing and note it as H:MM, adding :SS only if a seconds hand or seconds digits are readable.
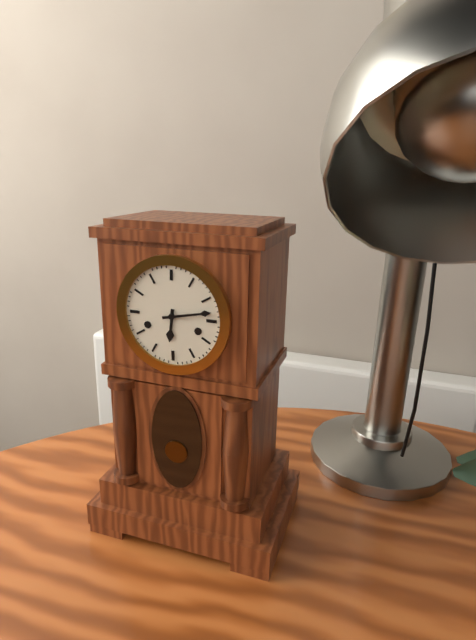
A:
6:13
